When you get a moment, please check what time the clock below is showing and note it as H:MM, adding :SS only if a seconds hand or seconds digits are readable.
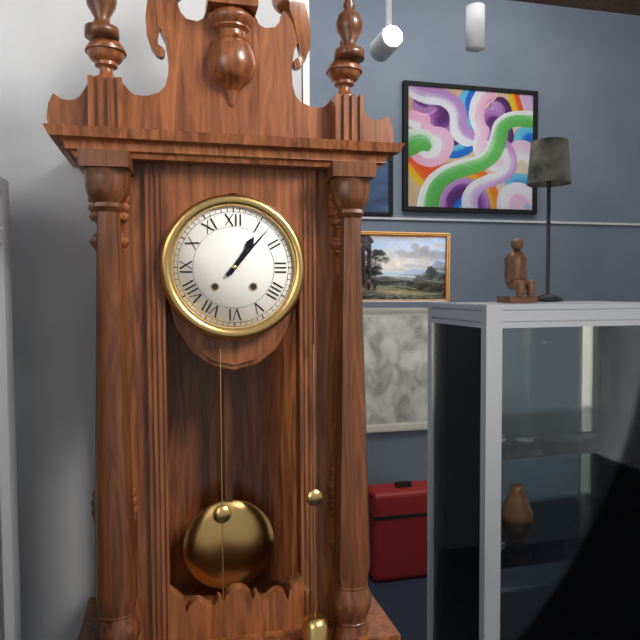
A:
1:07
